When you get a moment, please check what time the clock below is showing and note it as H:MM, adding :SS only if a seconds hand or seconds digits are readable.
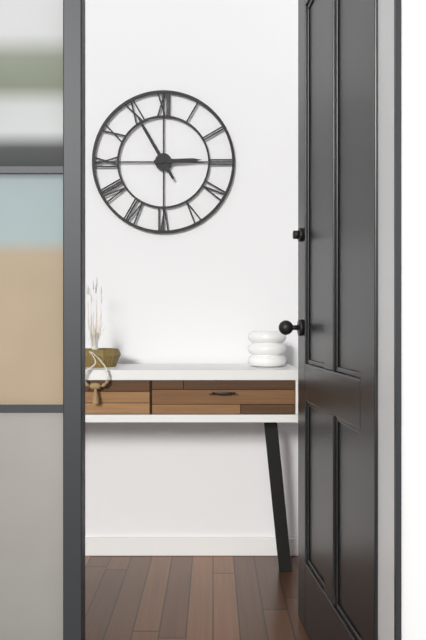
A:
2:55
